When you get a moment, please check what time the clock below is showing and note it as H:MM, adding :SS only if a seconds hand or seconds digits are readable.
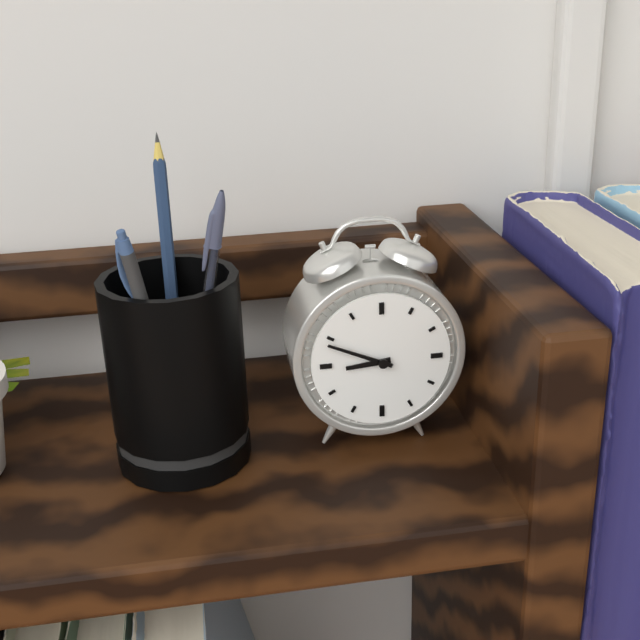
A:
8:49
